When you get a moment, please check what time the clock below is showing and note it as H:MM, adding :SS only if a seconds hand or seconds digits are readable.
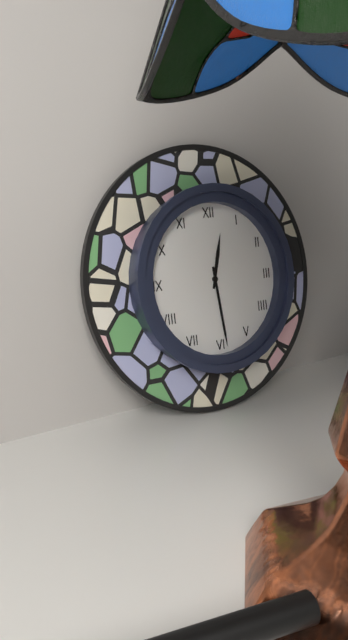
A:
12:29
